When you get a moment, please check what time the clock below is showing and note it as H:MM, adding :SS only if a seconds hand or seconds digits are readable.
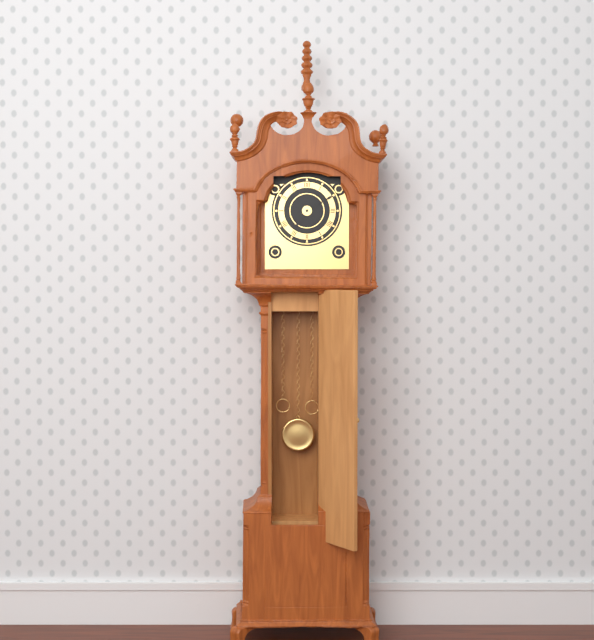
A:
7:10
